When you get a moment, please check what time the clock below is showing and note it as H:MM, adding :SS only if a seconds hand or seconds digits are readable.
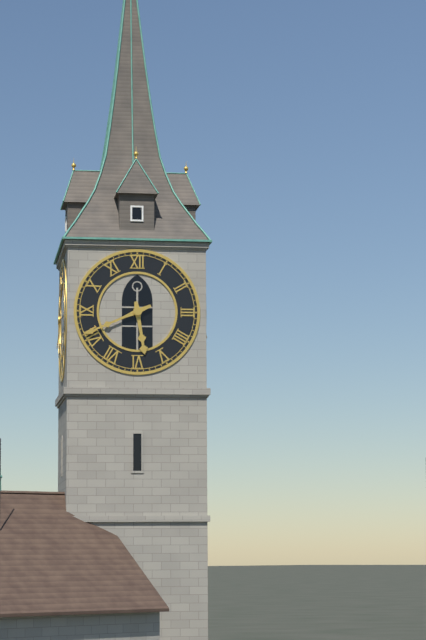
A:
5:41
